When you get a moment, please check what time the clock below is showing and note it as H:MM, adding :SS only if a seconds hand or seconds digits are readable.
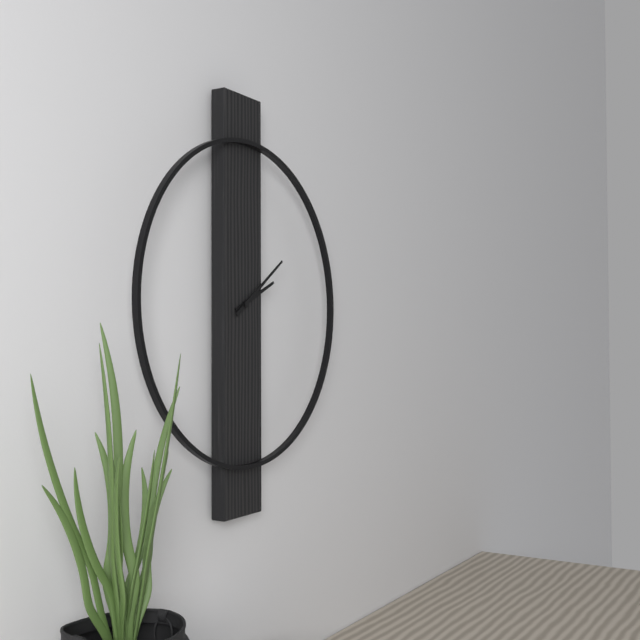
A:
2:09
